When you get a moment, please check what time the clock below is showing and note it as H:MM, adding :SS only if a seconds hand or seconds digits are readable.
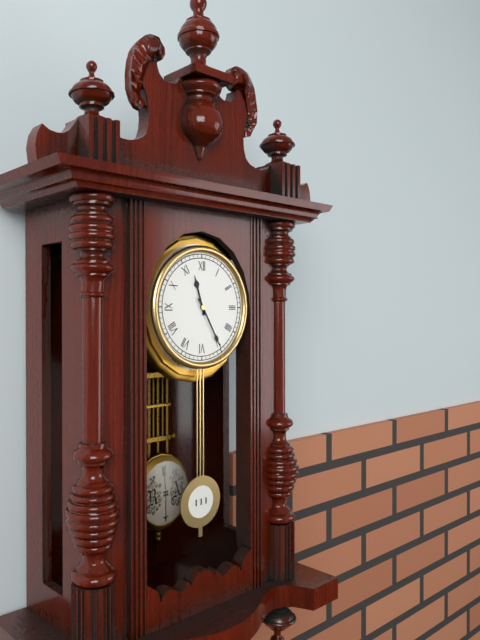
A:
11:25
